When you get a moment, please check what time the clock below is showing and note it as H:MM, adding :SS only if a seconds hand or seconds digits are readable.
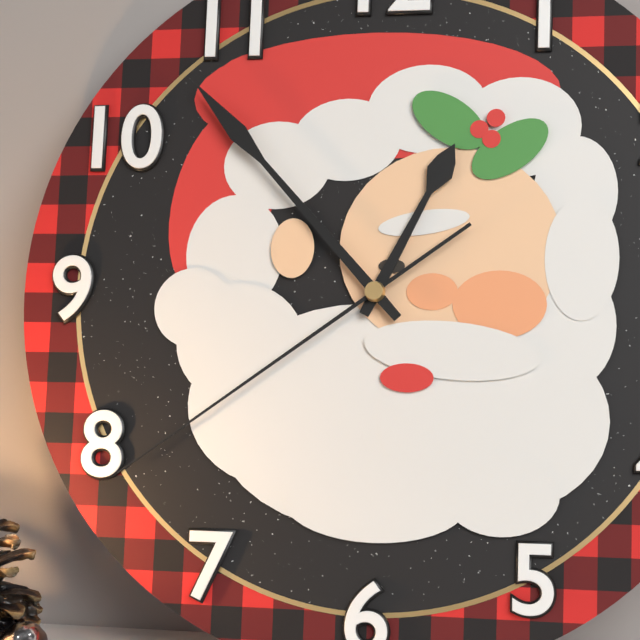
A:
12:53:39
